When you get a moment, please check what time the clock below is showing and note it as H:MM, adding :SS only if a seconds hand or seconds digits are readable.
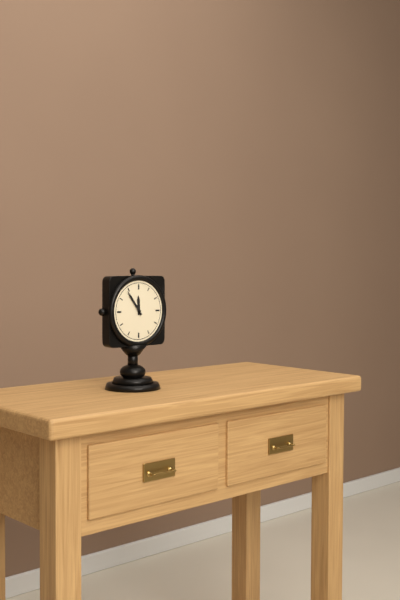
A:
11:54
